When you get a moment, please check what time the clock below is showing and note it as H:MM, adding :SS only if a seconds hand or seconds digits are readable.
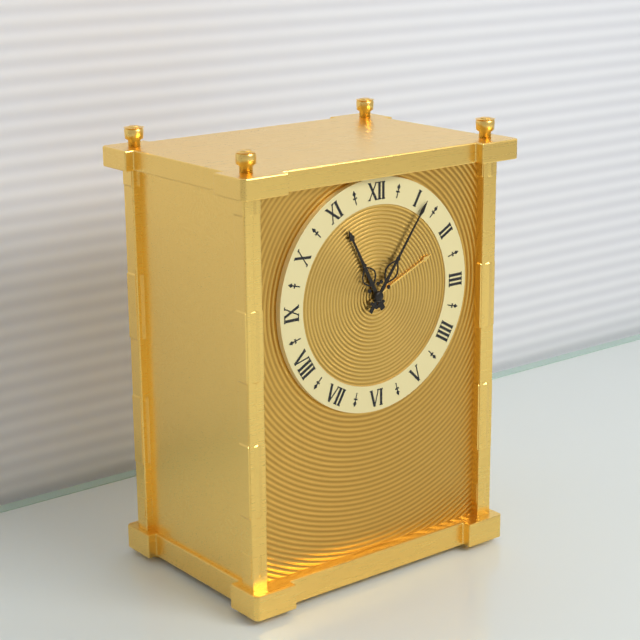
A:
11:06
